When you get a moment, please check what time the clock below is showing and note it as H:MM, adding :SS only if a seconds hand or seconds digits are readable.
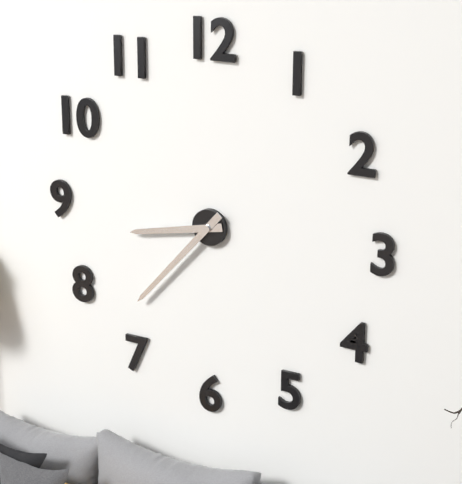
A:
8:37
